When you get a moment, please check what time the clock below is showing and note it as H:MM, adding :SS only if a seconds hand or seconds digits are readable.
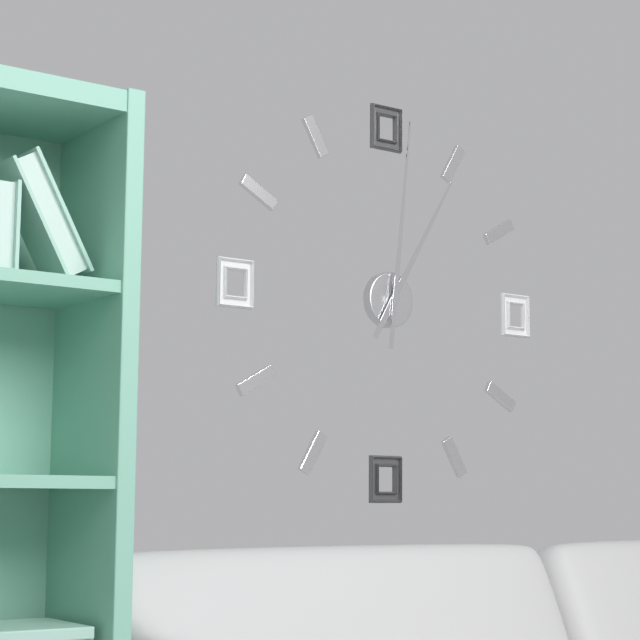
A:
1:01
